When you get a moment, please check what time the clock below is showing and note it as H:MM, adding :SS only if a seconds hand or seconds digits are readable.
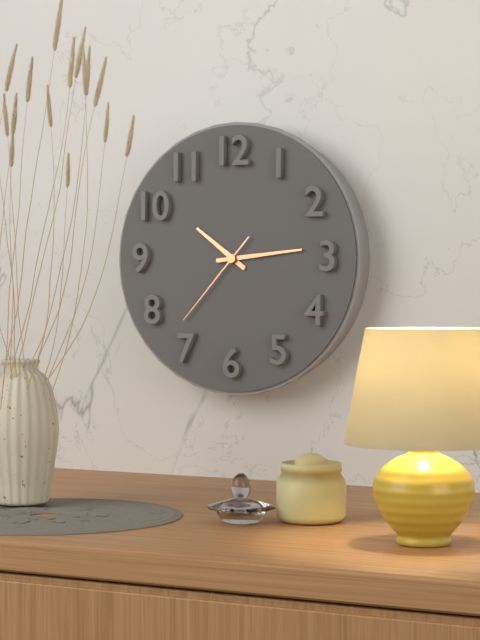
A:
10:14:37
